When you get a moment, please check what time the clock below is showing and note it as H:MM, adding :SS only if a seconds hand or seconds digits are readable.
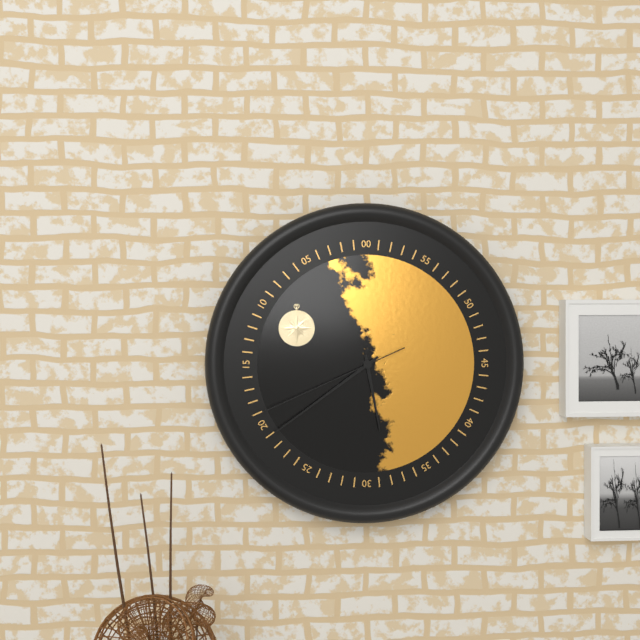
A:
5:39:41
